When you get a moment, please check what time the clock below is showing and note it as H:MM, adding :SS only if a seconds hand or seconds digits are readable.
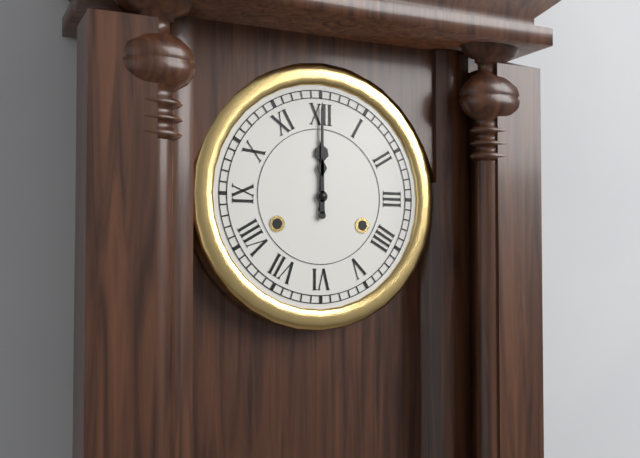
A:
12:00
